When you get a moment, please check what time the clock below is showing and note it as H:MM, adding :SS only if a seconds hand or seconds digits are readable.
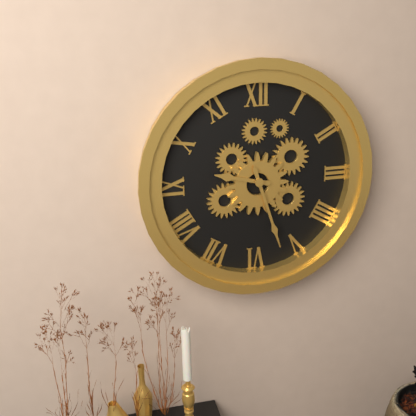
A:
9:27
